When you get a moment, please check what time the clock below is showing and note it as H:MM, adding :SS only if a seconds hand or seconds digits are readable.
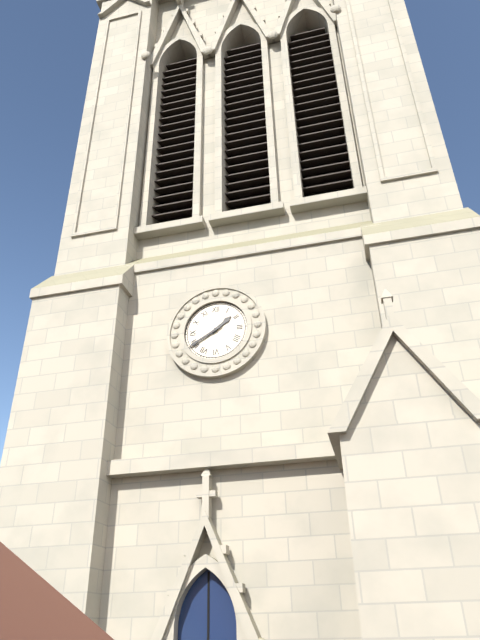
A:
1:40
